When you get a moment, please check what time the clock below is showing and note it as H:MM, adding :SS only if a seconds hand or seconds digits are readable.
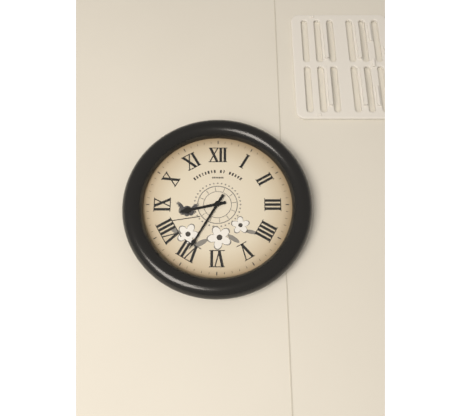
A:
8:35
